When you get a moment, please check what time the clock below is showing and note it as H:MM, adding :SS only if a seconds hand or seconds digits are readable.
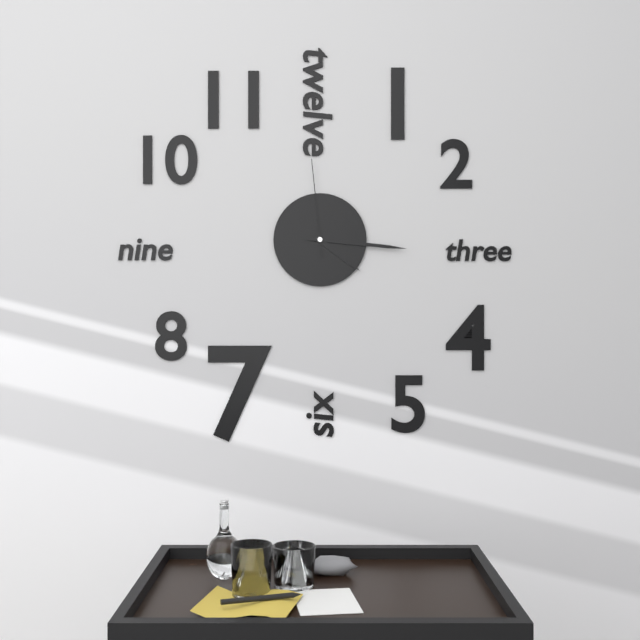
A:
4:16:59
